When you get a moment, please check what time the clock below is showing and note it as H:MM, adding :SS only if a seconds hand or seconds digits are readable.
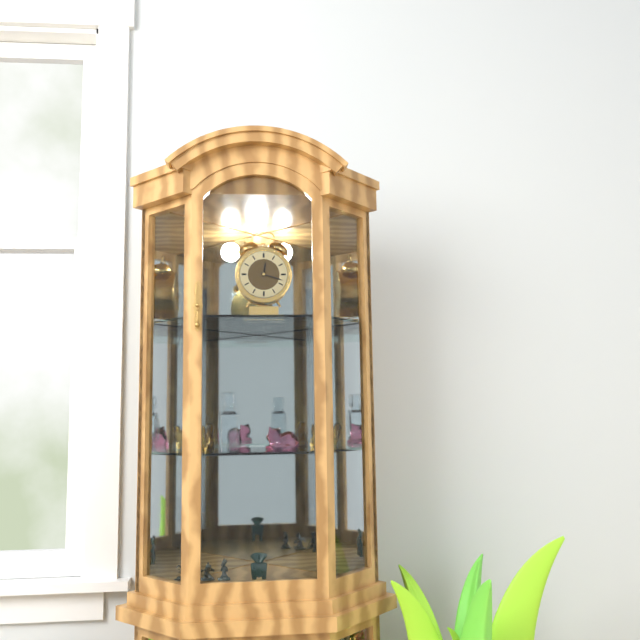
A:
12:18
